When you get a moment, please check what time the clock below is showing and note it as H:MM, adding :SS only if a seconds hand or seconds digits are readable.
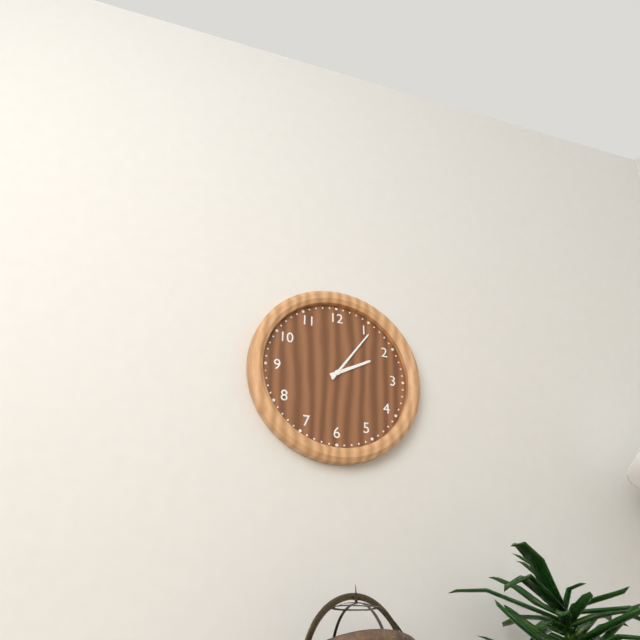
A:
2:06
